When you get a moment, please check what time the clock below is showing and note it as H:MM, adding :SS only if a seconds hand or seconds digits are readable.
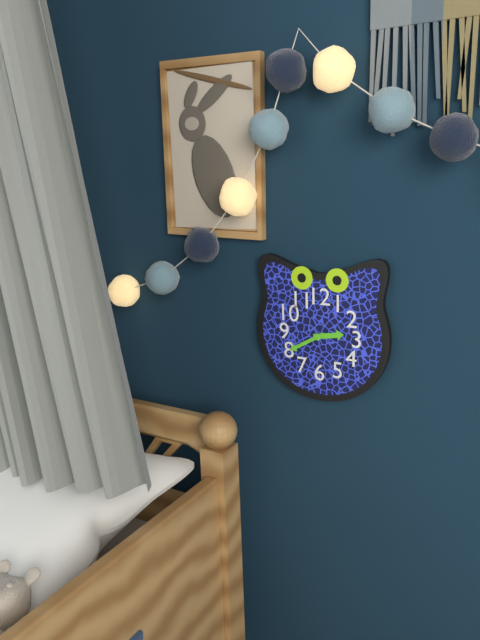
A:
2:40
